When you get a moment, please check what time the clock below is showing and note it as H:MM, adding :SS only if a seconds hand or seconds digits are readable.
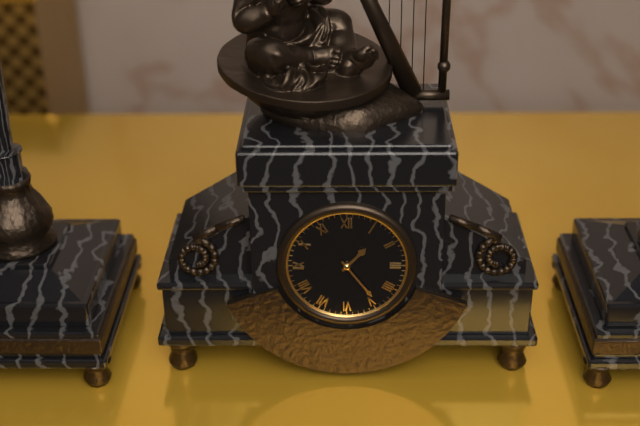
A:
1:24
